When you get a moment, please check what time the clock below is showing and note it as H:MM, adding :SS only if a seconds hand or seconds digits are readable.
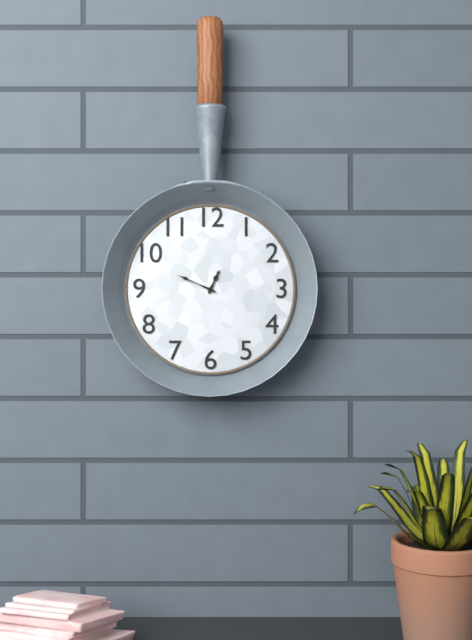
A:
12:49
